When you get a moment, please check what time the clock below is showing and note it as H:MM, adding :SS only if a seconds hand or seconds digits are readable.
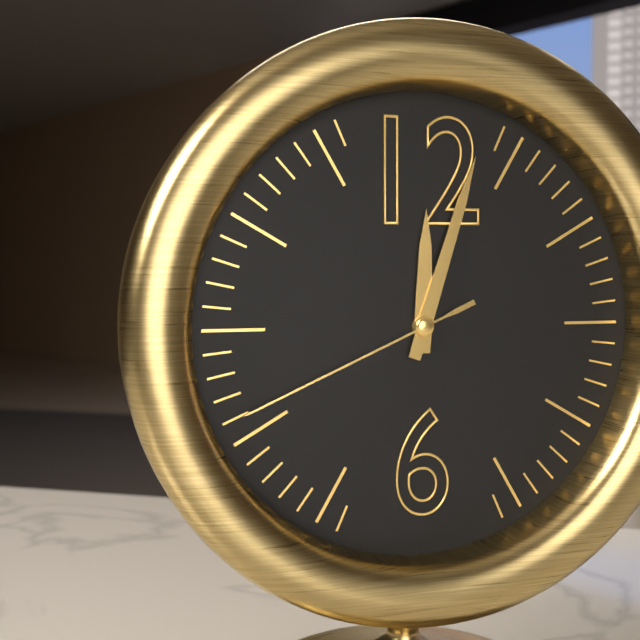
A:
12:03:41
